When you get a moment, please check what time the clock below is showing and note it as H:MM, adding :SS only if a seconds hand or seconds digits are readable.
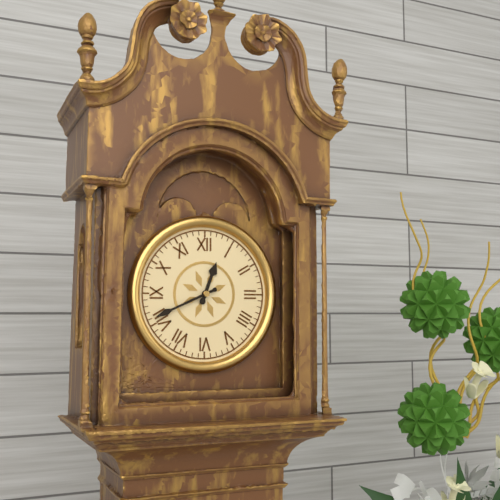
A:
12:41
